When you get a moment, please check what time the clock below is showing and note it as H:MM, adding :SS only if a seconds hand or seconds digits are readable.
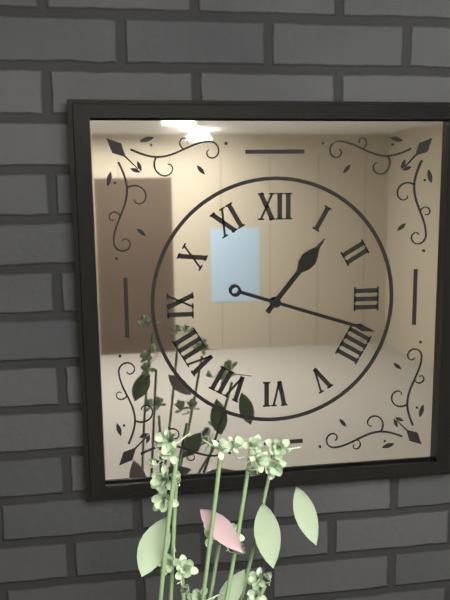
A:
1:18
